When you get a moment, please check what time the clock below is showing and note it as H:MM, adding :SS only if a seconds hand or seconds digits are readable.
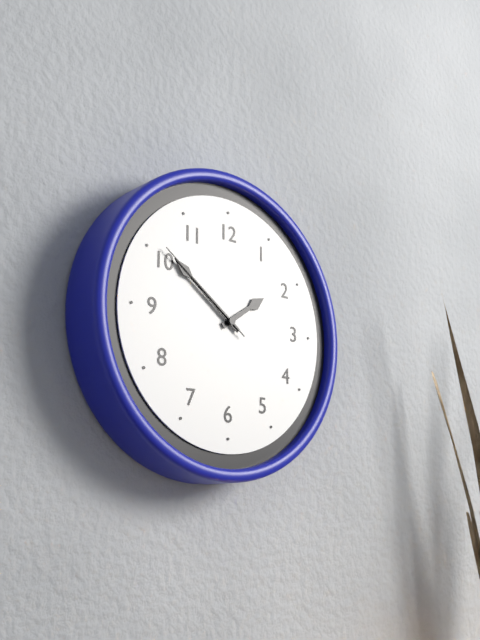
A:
1:51:51
